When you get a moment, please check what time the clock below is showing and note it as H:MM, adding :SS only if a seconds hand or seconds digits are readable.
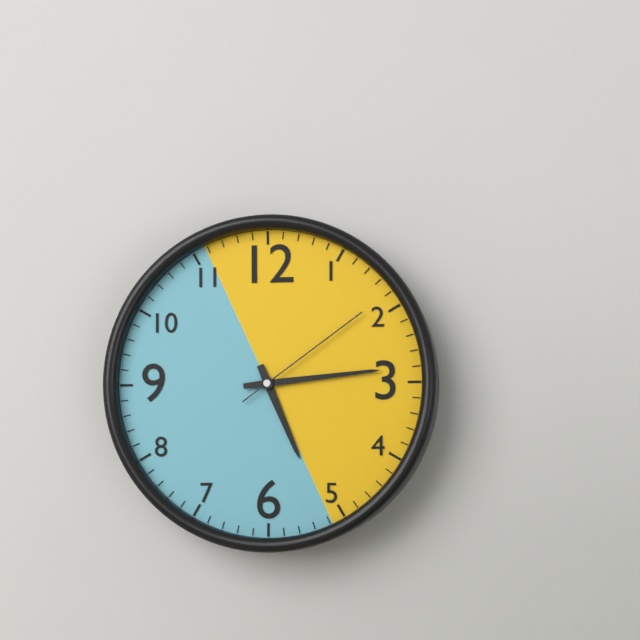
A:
5:14:09
